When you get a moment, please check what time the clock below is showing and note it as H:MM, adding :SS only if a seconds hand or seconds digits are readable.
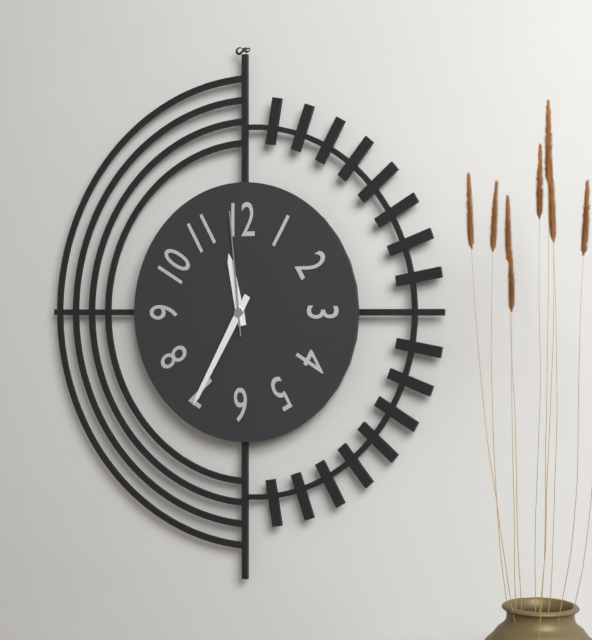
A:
11:35:59
